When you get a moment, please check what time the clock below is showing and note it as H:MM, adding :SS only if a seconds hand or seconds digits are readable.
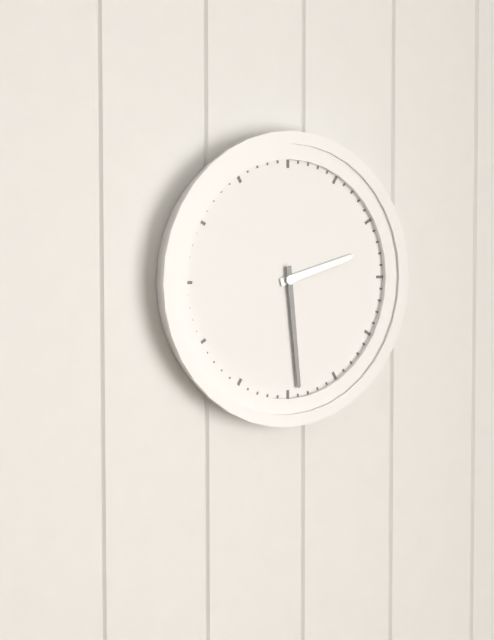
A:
2:29
